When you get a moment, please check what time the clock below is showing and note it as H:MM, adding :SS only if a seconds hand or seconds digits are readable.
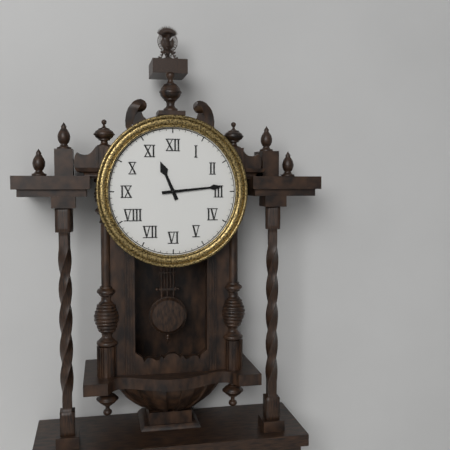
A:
11:14
